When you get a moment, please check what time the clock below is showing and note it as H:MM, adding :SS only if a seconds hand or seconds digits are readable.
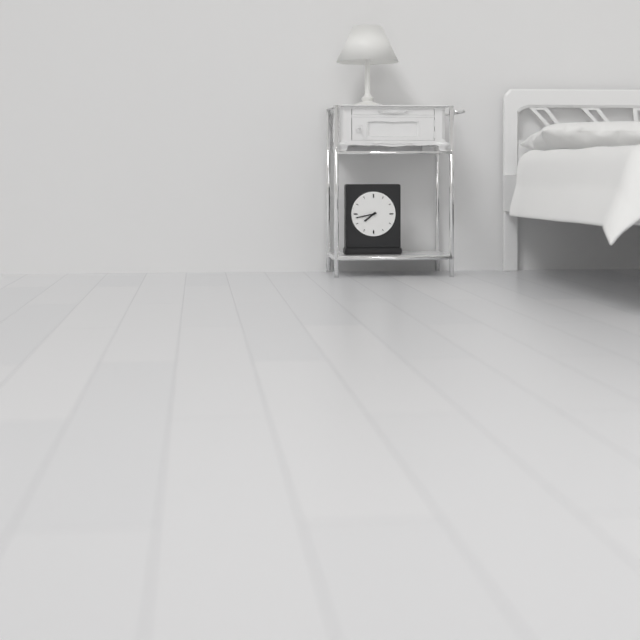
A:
7:43
